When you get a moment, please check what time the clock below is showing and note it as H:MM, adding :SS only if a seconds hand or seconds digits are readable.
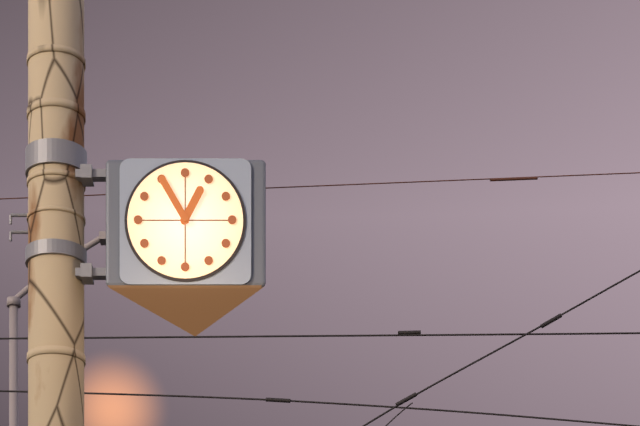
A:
12:55
